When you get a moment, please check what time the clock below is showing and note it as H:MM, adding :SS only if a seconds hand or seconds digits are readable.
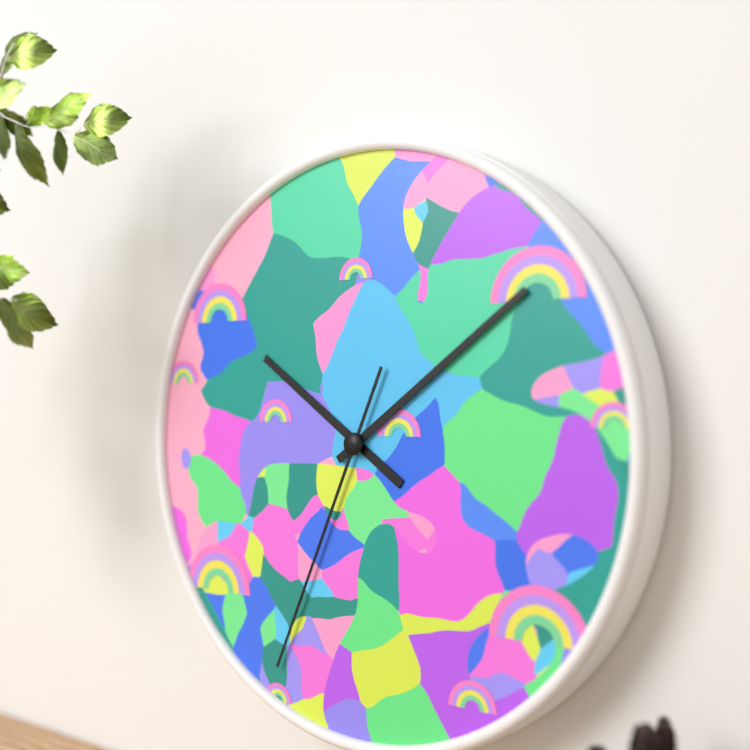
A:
10:09:34
